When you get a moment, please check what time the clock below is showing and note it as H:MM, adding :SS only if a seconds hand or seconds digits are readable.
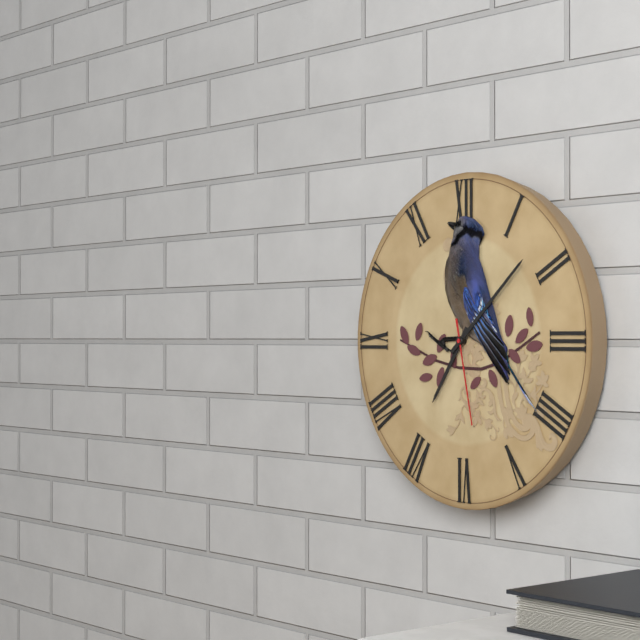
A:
7:08:28
